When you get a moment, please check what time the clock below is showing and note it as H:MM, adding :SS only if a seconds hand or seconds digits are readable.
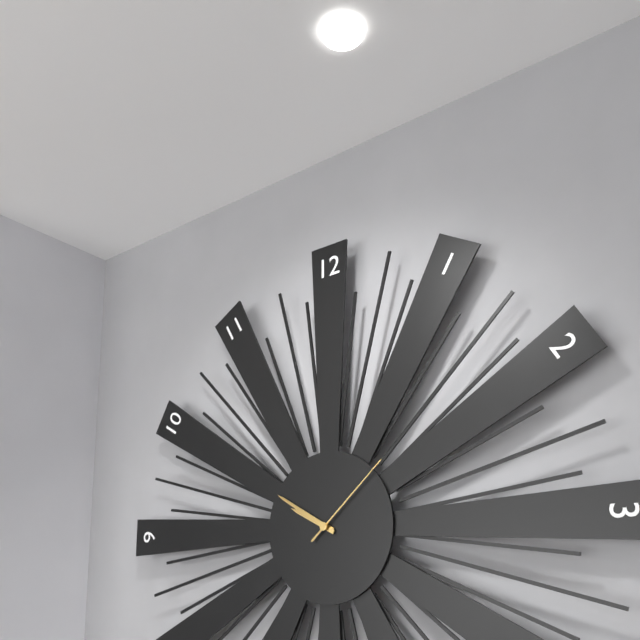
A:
9:50:08
